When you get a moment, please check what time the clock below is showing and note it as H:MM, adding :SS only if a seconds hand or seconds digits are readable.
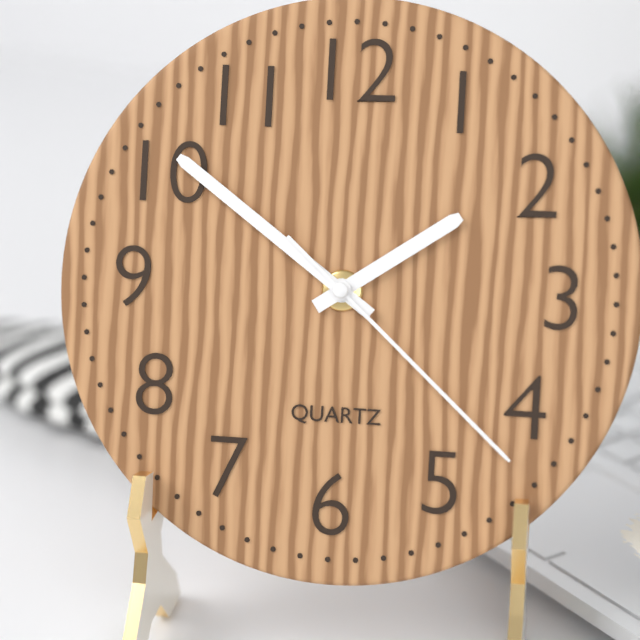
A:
1:51:22
